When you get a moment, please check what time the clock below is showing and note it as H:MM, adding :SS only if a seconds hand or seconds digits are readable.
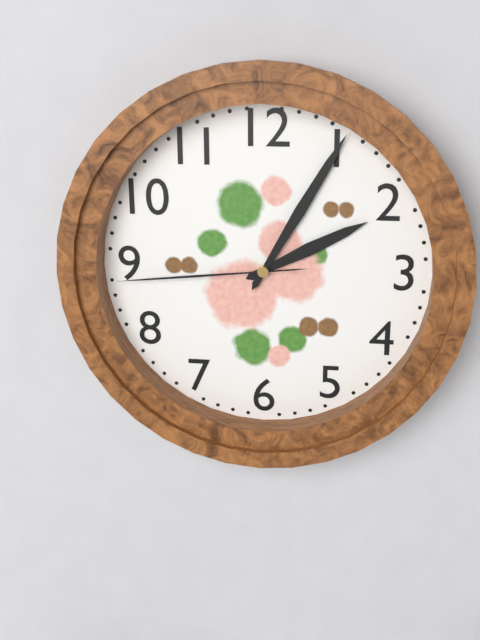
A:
2:05:44
